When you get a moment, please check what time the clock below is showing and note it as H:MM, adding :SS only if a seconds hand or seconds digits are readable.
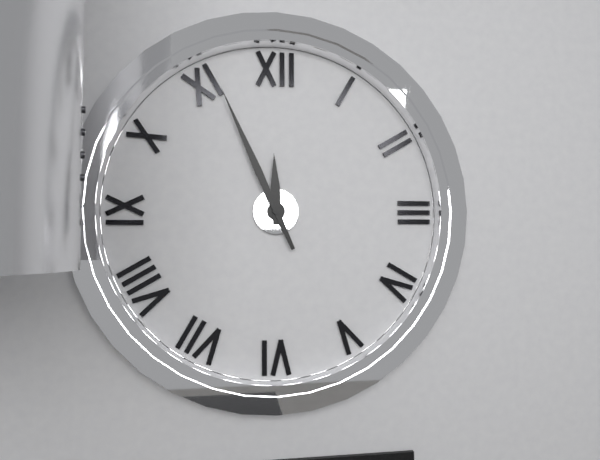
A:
11:56
